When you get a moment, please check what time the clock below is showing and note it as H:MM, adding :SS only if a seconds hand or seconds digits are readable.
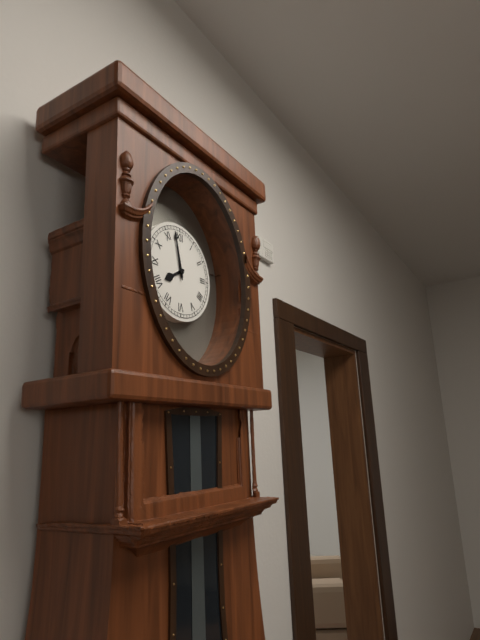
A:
7:58
